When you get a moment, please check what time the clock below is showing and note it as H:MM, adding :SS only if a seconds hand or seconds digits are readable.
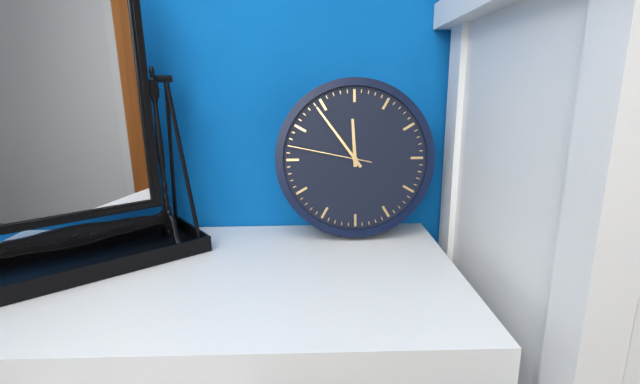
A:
11:54:47
